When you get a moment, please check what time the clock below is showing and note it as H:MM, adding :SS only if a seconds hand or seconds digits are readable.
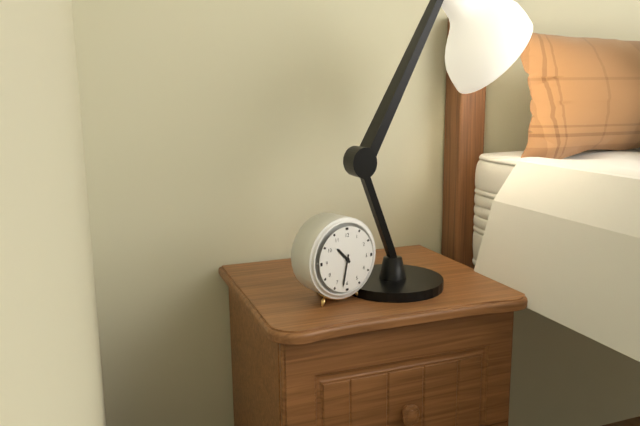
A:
10:32
